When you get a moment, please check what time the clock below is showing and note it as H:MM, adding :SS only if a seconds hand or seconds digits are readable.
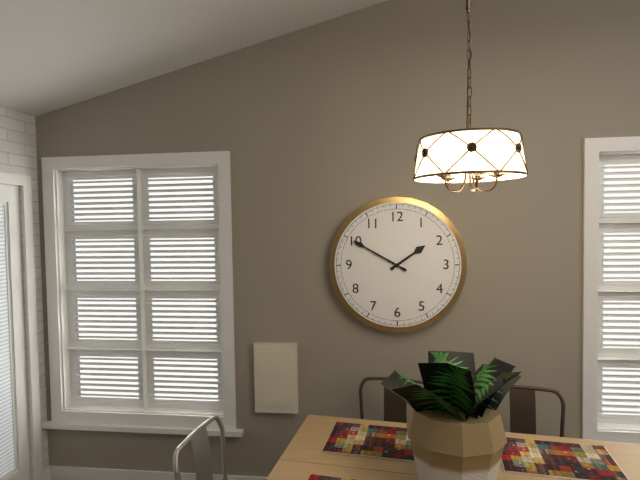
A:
1:50
